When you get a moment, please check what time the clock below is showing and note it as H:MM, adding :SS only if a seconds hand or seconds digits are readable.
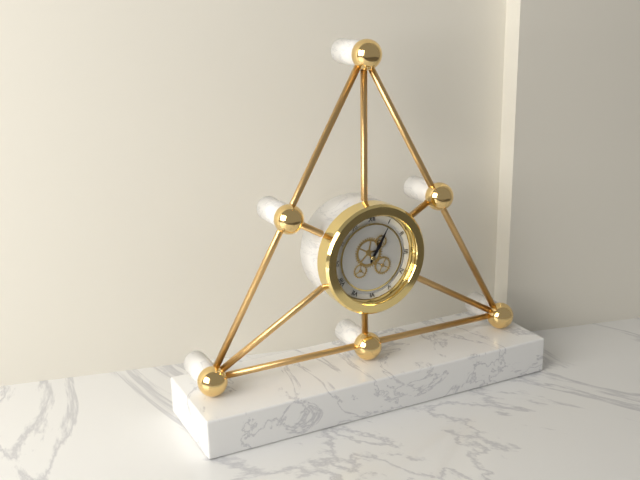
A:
1:05
